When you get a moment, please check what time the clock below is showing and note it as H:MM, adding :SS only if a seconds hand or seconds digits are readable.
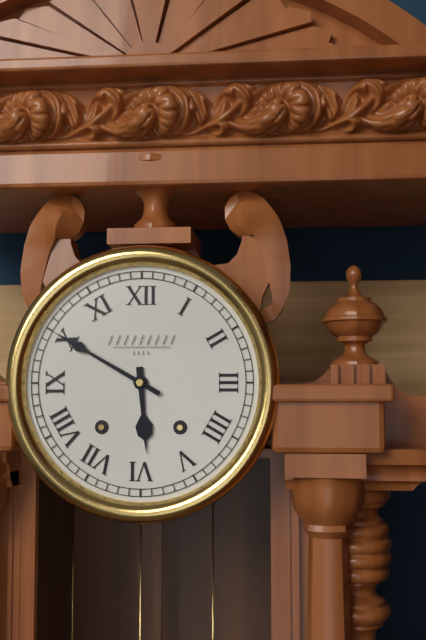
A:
5:50
